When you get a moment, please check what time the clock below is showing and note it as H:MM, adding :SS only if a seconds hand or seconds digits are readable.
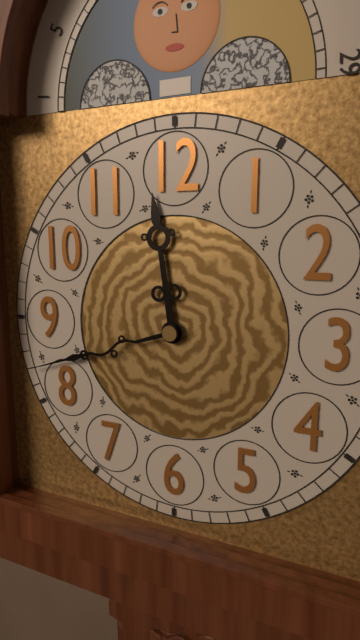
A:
11:42
